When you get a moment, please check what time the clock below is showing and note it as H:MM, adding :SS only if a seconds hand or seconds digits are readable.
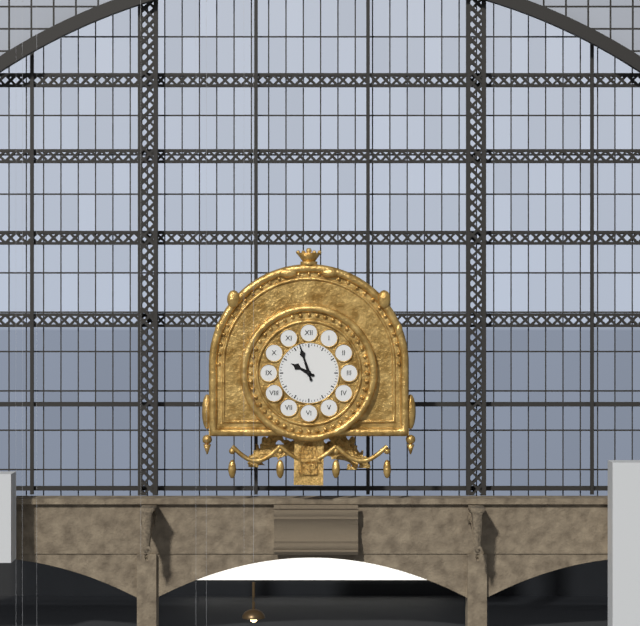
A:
9:57
